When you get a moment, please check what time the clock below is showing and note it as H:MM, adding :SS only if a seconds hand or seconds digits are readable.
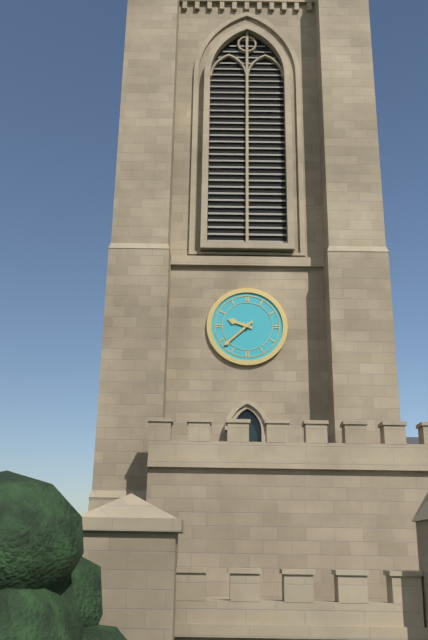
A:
9:38
